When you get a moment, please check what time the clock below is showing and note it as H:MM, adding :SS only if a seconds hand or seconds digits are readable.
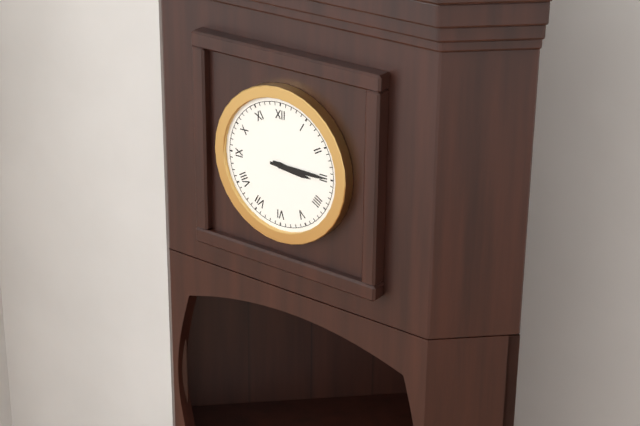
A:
3:15
